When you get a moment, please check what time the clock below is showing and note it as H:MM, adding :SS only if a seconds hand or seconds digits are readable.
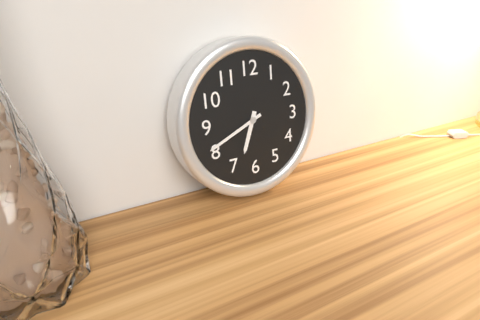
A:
6:41
